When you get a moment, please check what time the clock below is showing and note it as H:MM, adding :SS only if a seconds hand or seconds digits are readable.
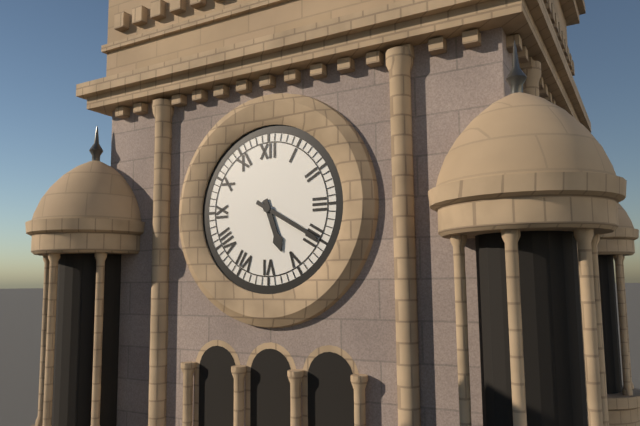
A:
5:20
